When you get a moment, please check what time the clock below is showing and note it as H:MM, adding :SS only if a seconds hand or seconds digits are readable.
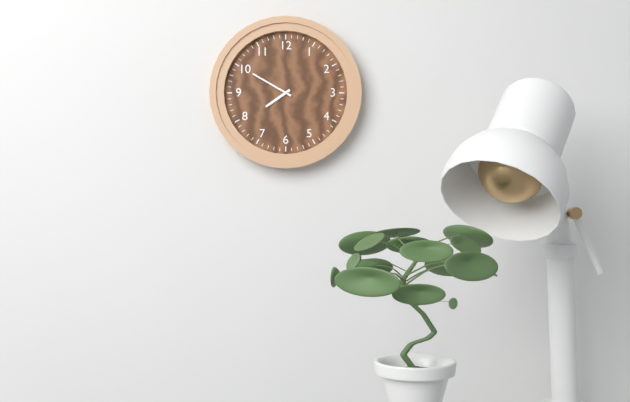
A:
7:50
